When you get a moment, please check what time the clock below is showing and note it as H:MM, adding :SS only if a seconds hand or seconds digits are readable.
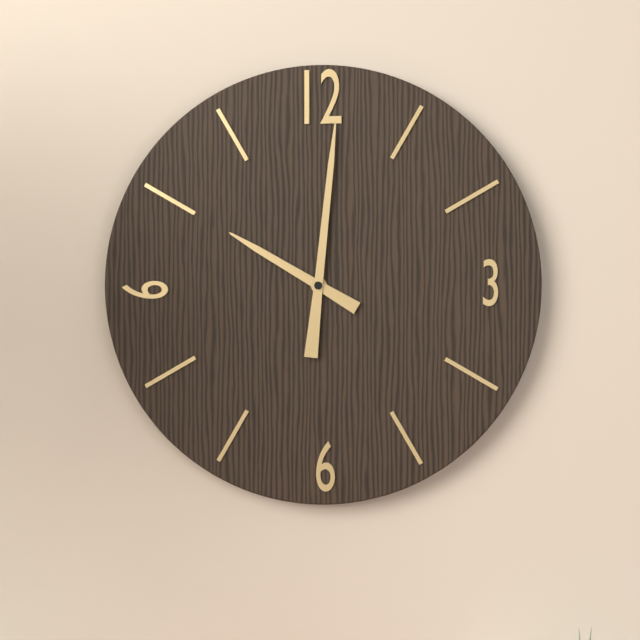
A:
10:01
